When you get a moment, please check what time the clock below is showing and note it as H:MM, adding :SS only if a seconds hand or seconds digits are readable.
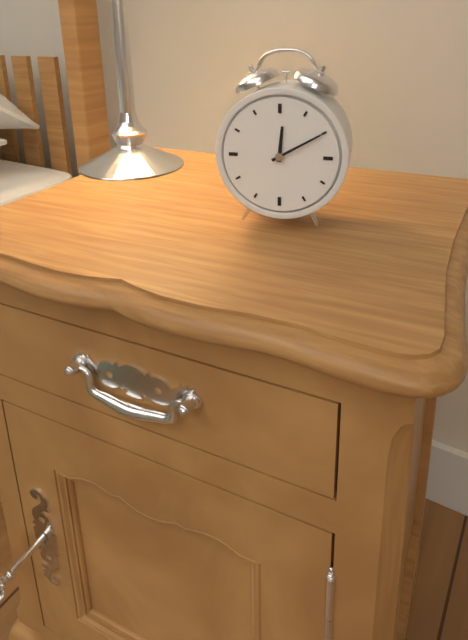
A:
12:10
